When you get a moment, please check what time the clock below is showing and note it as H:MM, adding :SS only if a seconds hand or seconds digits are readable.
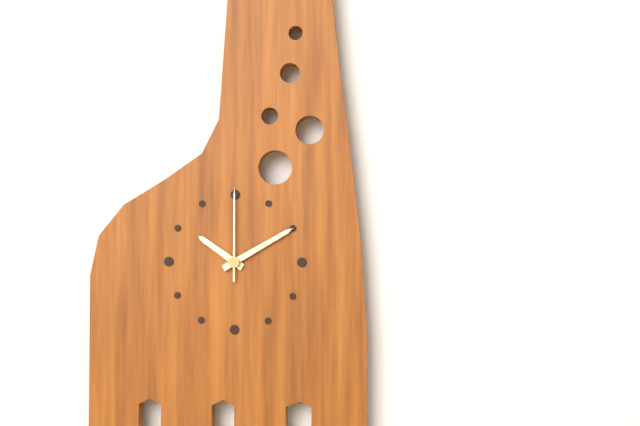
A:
10:10:00
